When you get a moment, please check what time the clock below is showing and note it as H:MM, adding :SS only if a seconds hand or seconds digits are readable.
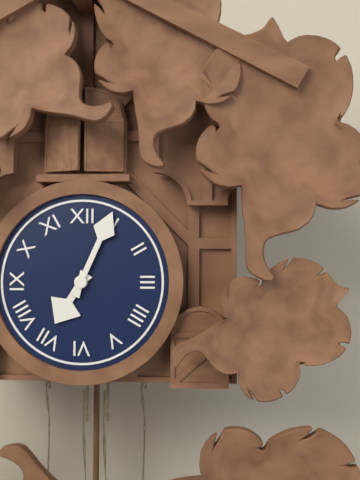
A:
7:04
